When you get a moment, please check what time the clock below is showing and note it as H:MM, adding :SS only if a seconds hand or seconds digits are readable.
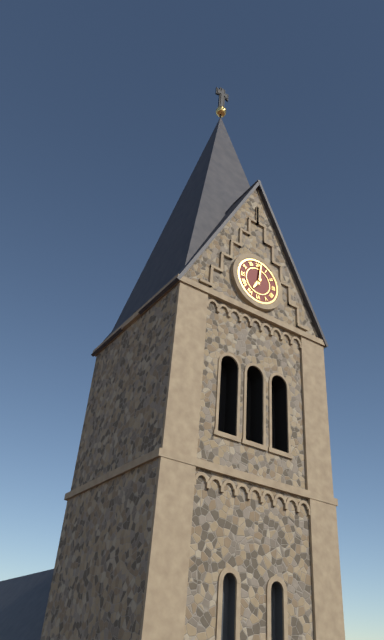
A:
7:01
